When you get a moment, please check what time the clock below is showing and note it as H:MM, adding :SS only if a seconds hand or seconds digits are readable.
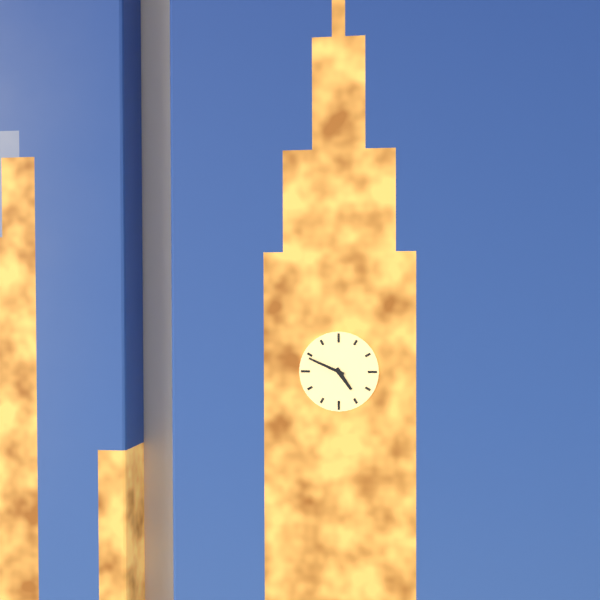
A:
4:49
